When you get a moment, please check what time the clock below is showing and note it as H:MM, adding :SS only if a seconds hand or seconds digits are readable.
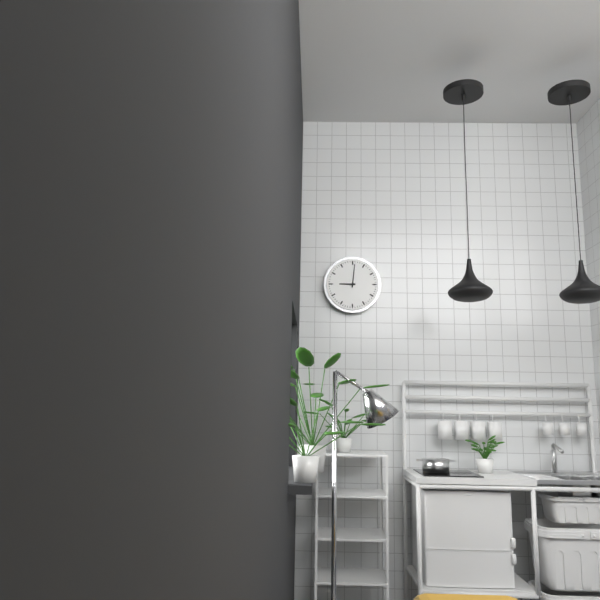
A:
9:01
